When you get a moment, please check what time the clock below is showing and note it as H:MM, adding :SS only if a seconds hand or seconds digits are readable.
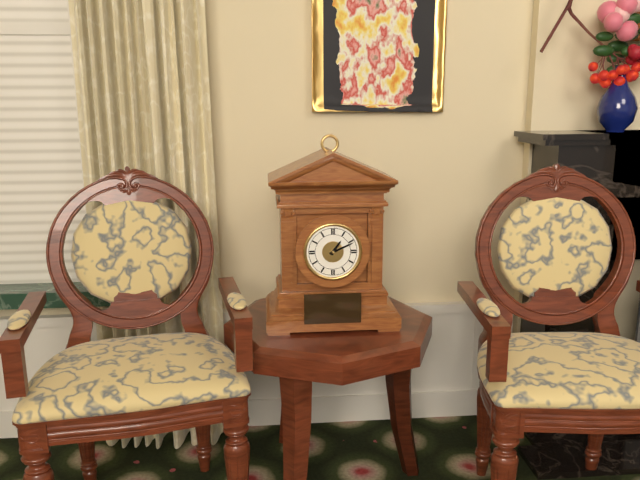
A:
1:11
